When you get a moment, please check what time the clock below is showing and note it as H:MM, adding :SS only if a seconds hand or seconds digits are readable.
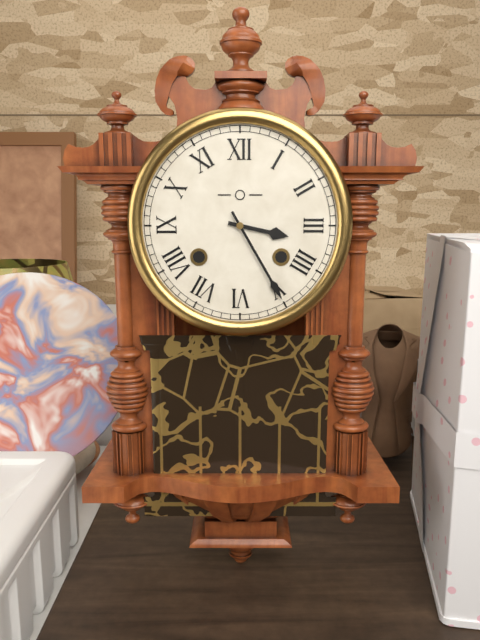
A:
3:25
